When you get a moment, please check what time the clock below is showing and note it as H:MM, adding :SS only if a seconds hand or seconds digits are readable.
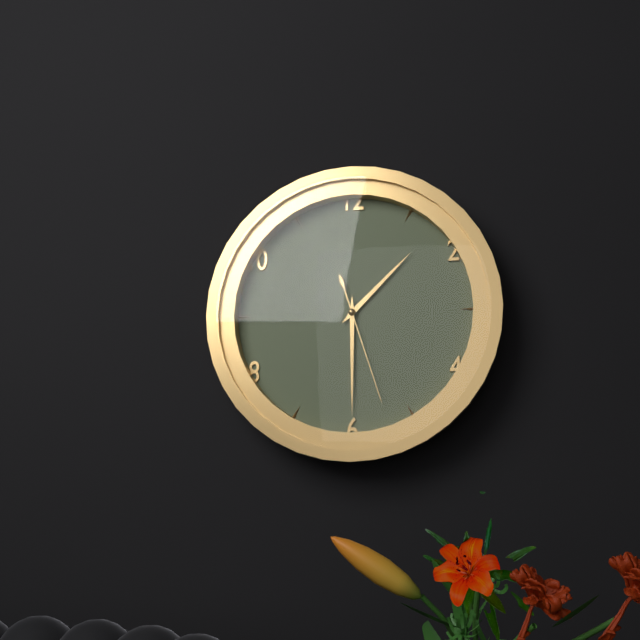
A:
1:30:27
